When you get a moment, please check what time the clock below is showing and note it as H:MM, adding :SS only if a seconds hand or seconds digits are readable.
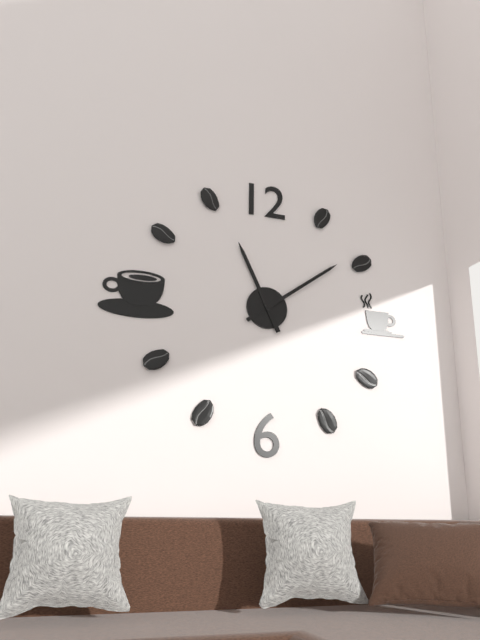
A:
11:09
